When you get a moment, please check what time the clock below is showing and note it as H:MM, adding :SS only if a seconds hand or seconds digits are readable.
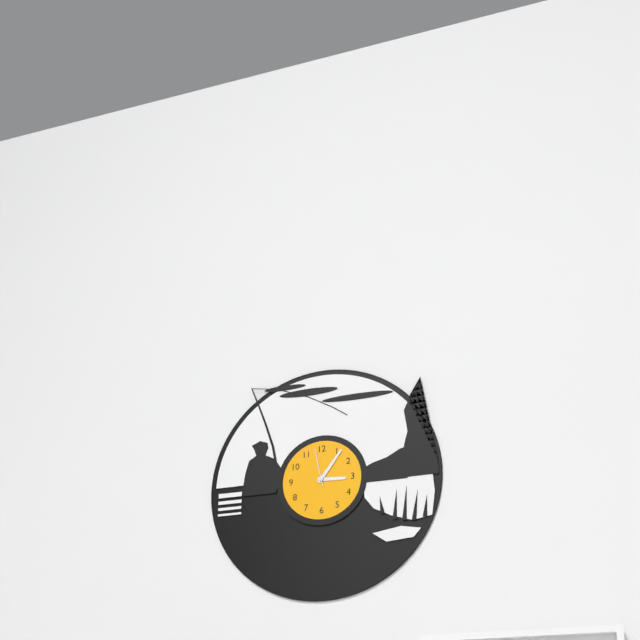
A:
3:06
